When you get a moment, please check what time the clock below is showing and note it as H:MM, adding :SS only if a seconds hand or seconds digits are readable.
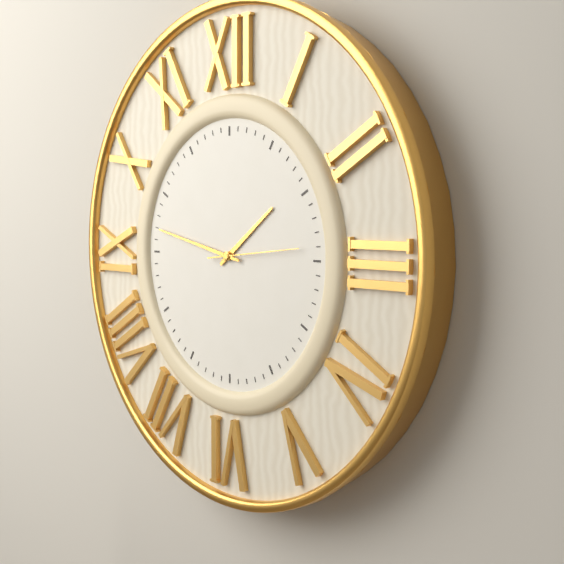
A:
1:47:14
